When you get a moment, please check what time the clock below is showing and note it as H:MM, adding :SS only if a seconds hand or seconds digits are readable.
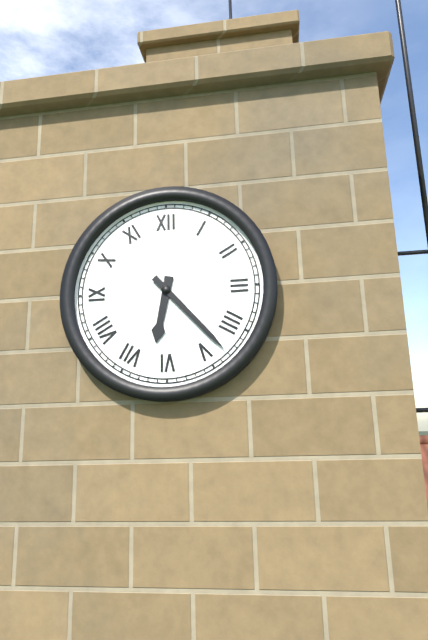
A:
6:23
